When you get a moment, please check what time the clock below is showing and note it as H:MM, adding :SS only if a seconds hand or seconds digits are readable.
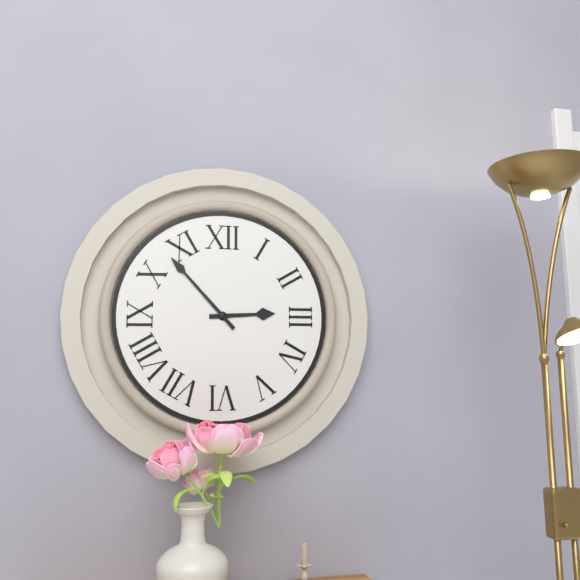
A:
2:53
